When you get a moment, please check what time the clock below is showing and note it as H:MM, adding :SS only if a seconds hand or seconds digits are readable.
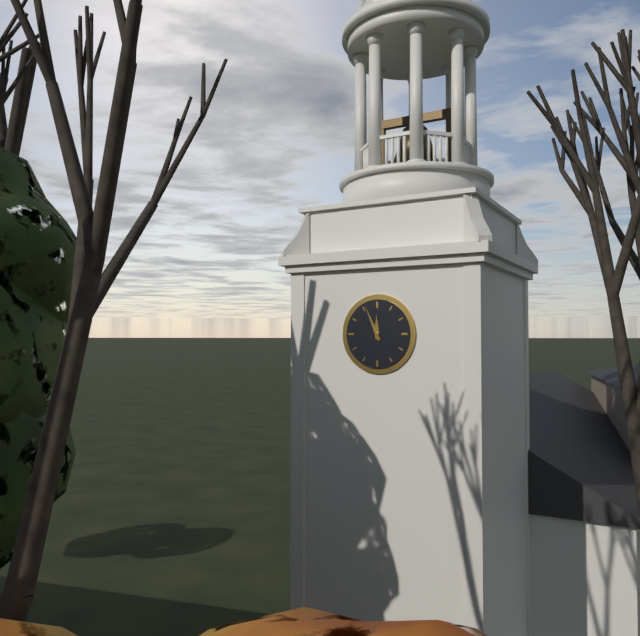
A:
11:56
